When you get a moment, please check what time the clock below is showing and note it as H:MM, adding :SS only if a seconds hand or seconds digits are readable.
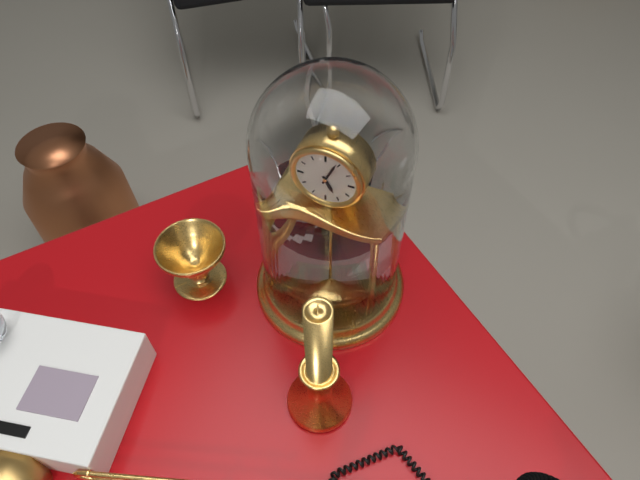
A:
5:04
